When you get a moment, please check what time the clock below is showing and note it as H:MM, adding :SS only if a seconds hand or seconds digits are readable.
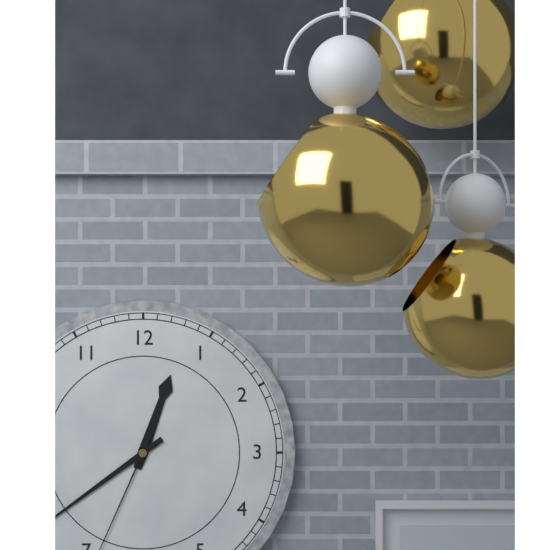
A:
12:39
